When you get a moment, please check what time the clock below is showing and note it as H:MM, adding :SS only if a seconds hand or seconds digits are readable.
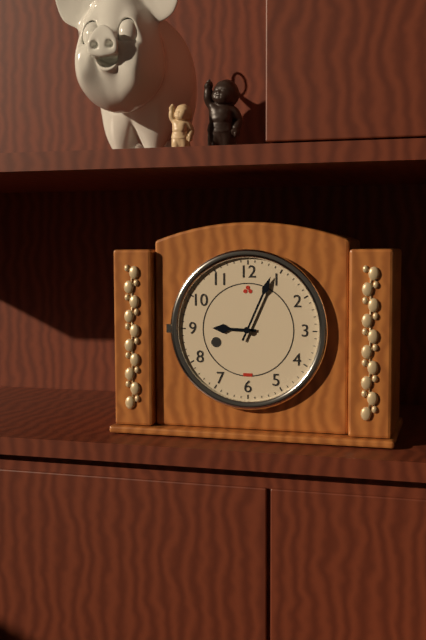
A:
9:04
